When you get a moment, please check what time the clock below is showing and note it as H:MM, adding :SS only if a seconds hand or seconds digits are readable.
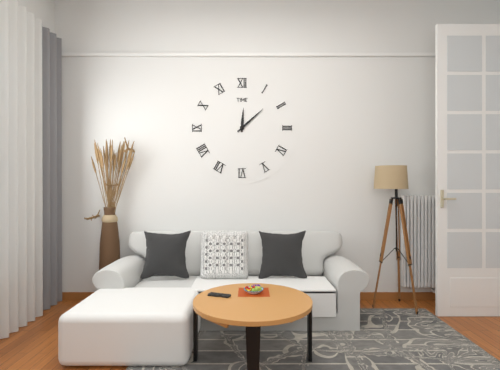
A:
12:08
